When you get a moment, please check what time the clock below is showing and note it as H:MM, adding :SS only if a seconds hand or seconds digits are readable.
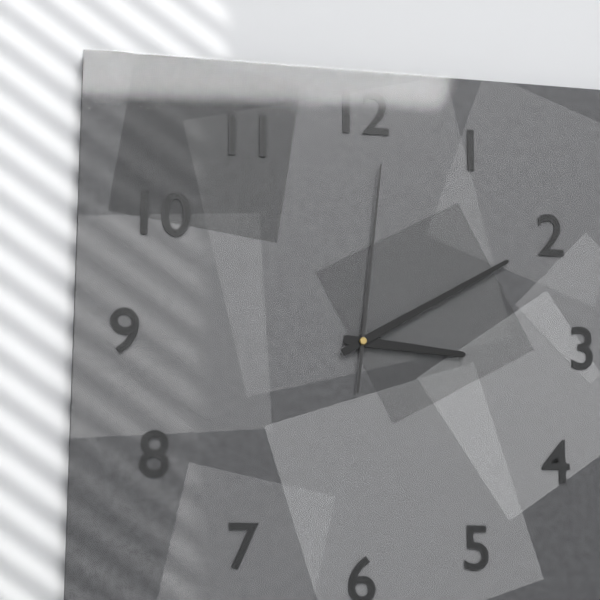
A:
3:10:01
